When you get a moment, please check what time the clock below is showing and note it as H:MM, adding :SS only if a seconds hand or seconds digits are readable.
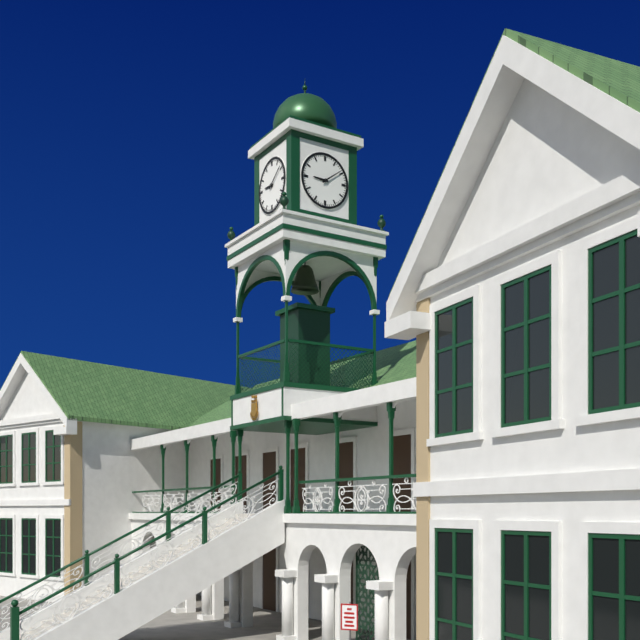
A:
9:09
